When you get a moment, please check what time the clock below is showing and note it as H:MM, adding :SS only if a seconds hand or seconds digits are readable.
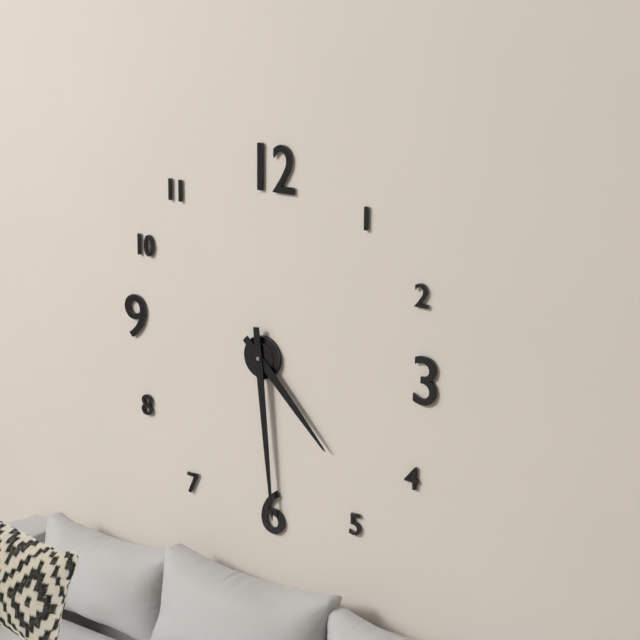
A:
4:29
